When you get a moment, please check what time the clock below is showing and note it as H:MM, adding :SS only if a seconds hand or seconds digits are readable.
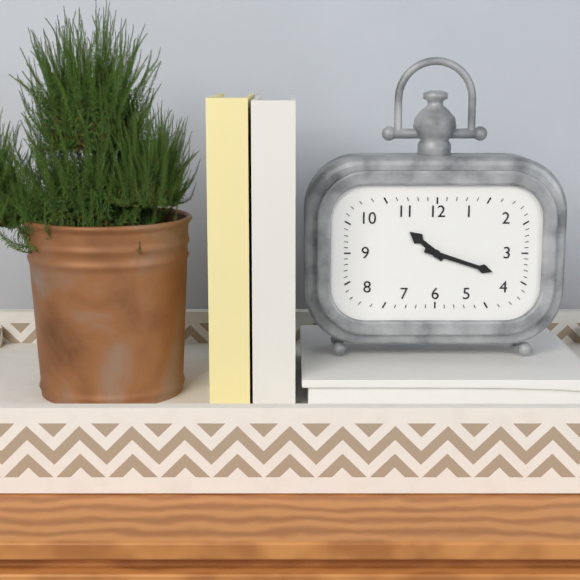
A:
10:18
